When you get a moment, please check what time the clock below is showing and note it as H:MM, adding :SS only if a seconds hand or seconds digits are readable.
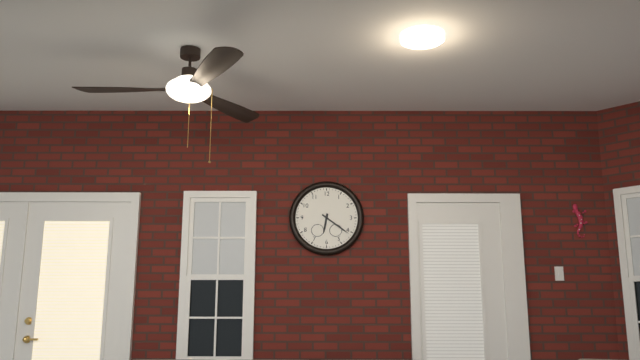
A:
6:21
